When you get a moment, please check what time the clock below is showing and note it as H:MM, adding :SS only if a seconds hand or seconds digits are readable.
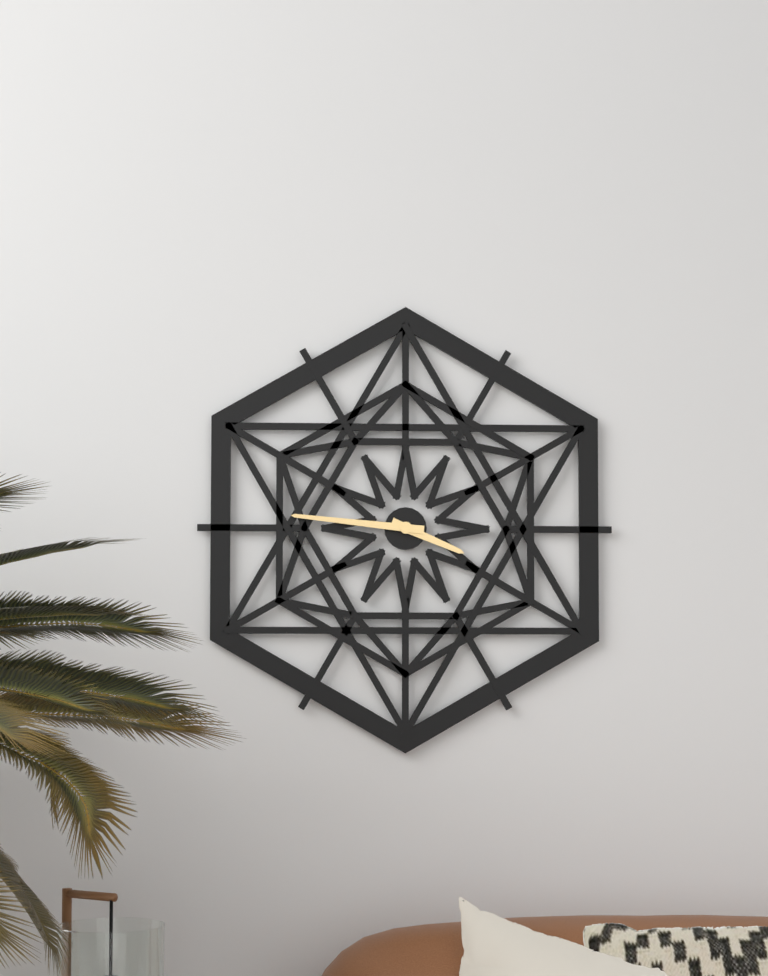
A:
3:46
